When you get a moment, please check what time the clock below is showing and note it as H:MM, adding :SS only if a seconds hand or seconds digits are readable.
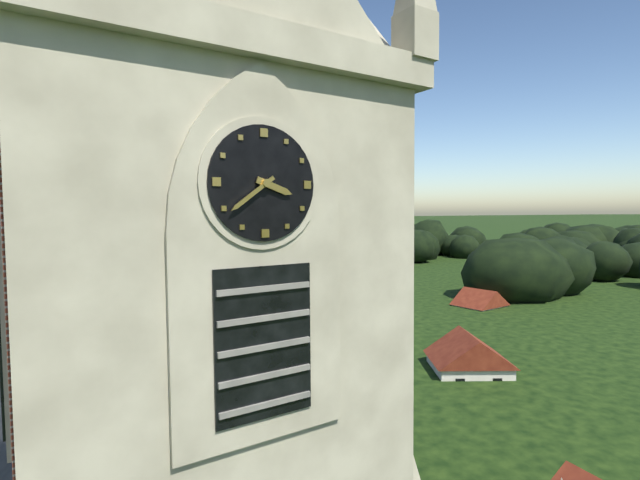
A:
3:39
